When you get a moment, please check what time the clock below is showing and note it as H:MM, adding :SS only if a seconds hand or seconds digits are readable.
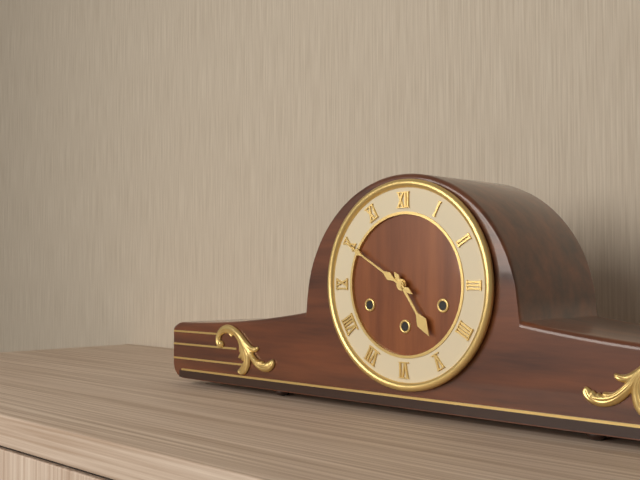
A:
4:50
